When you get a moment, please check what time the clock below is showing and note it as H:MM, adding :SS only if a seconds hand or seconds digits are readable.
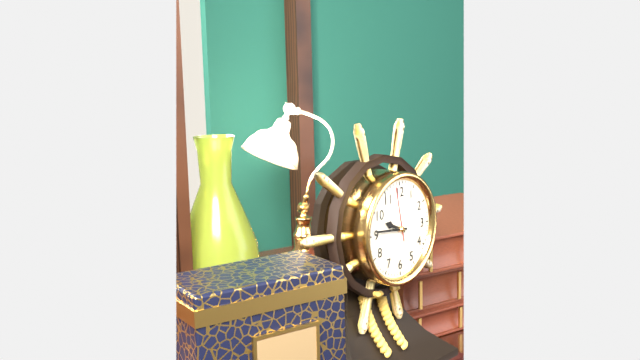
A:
9:46:58
